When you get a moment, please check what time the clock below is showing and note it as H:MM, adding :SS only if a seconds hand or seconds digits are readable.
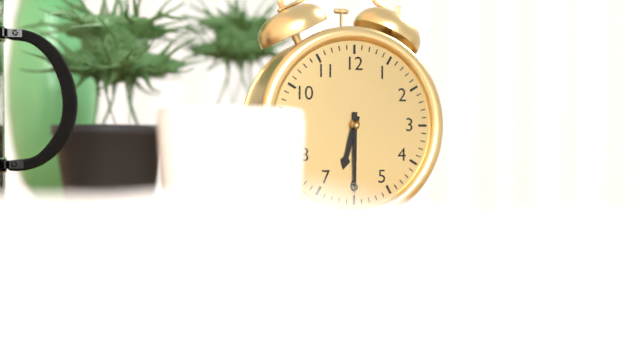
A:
6:30
